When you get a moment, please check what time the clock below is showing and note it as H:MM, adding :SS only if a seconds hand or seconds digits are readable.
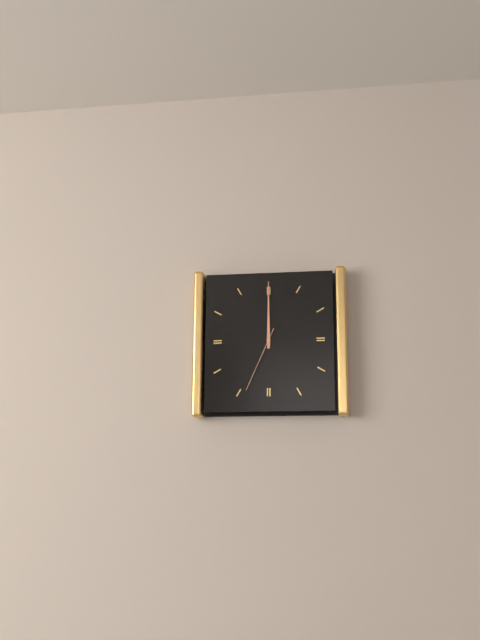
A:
12:00:34
